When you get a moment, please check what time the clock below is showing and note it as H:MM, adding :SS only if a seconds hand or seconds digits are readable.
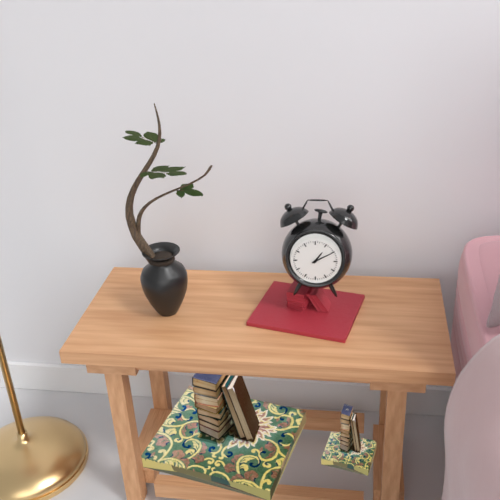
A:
1:10
